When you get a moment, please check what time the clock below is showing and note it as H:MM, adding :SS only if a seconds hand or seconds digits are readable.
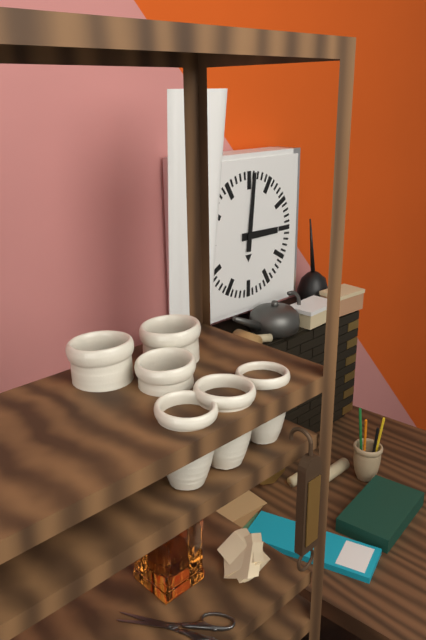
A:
3:01
